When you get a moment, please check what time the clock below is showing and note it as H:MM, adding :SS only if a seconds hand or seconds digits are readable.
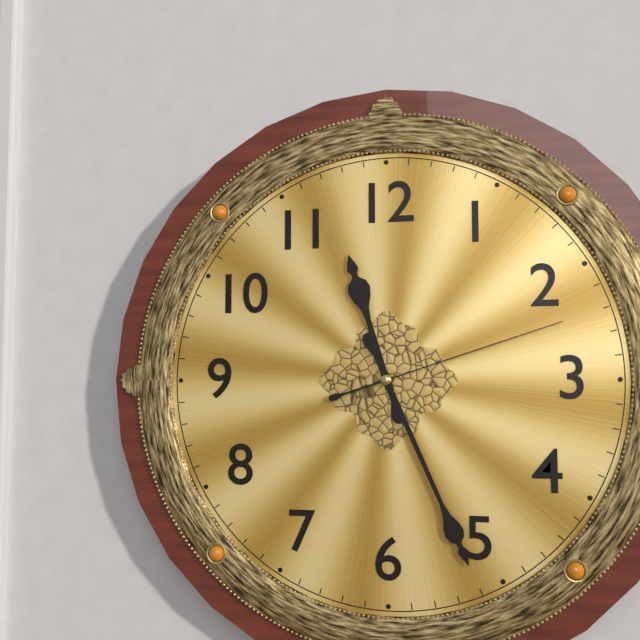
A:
11:26:12
